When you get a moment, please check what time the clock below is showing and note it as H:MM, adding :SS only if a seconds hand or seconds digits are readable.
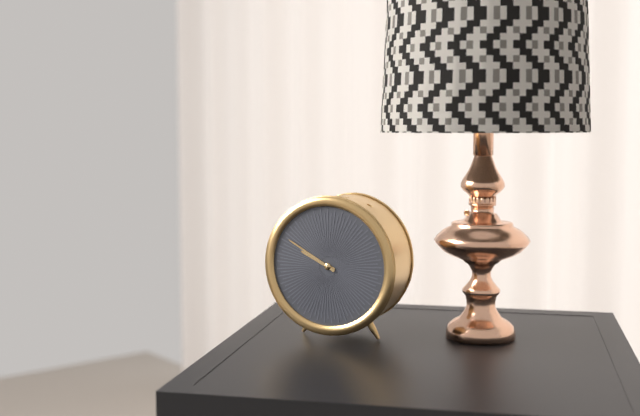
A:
9:50
